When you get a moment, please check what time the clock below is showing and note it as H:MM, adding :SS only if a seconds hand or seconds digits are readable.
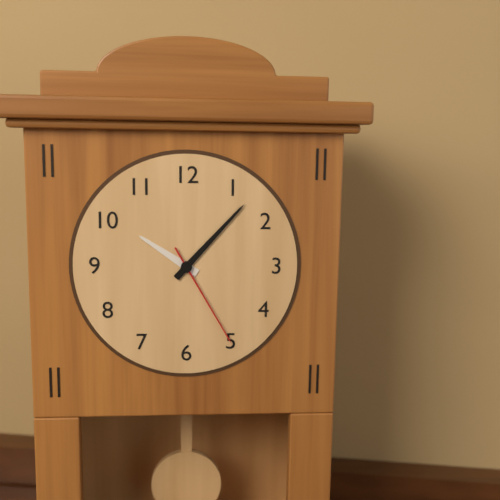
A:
10:07:25
